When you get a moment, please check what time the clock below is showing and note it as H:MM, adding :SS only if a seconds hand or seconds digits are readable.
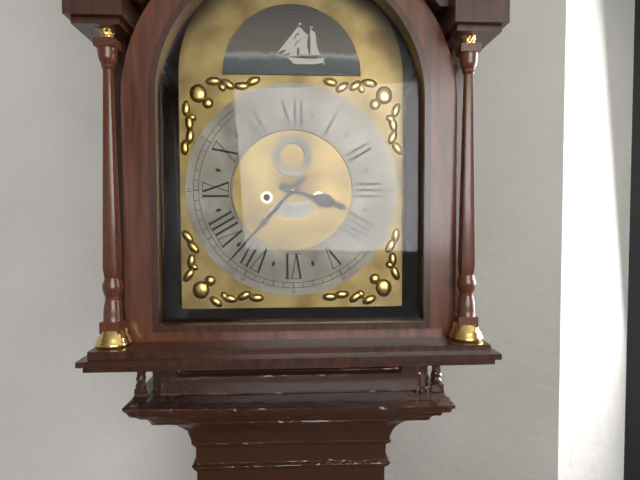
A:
3:37
